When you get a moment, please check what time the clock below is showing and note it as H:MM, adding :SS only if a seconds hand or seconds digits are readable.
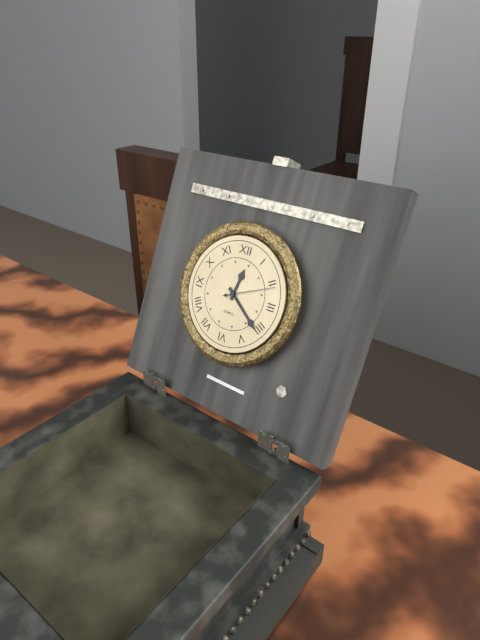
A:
12:21:11
